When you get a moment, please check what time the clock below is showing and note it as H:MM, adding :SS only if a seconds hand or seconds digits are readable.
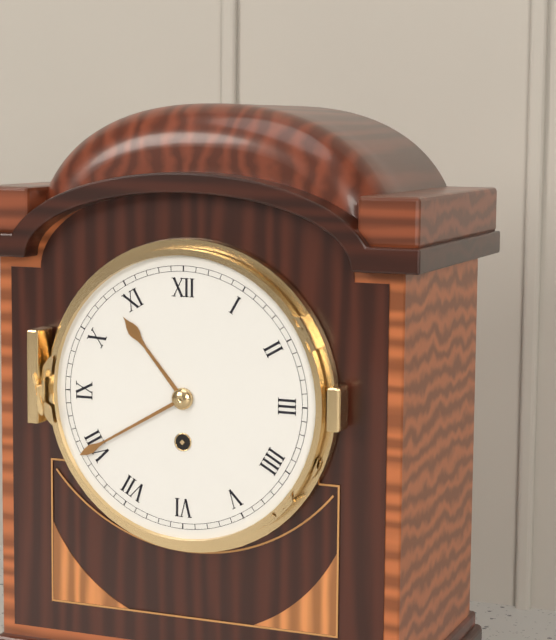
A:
10:40
